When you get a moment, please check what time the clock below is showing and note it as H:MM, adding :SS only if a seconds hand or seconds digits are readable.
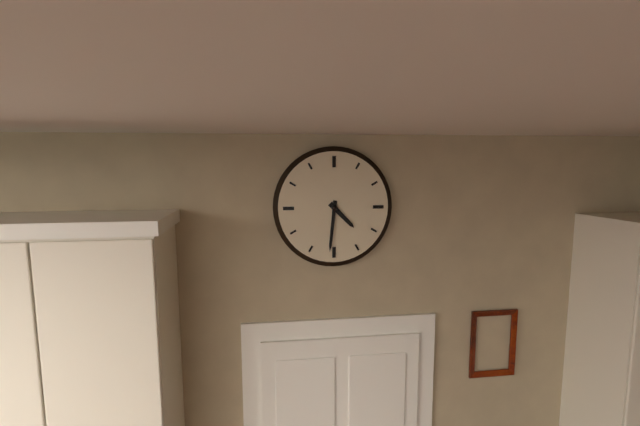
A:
4:31
